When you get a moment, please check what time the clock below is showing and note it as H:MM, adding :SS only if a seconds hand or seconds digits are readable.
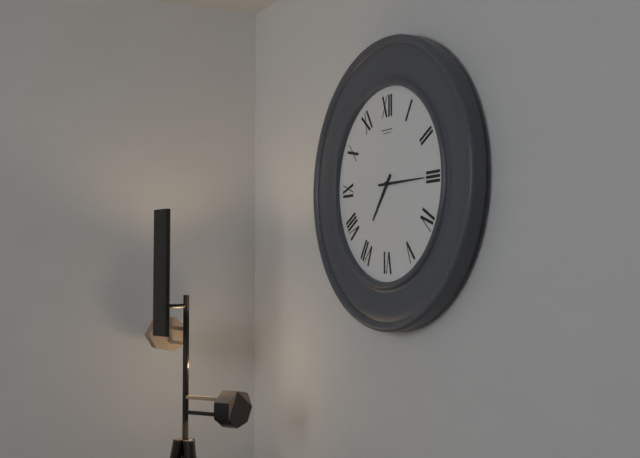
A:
7:15
